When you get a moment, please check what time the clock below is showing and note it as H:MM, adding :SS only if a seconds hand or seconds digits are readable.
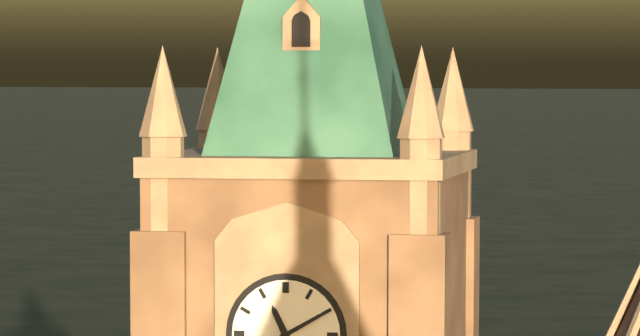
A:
11:10
